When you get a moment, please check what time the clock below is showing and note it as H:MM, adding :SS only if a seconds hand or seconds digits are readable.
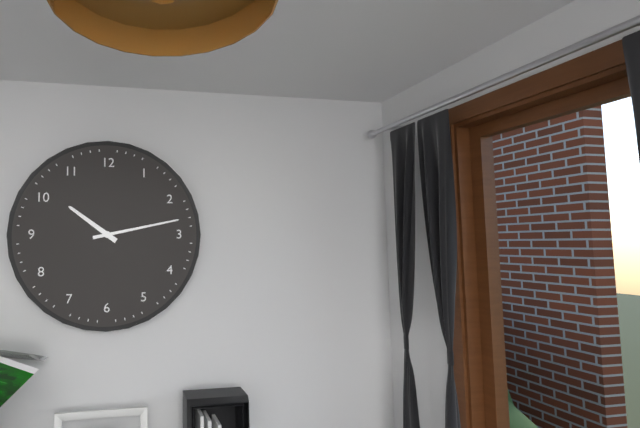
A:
10:13
